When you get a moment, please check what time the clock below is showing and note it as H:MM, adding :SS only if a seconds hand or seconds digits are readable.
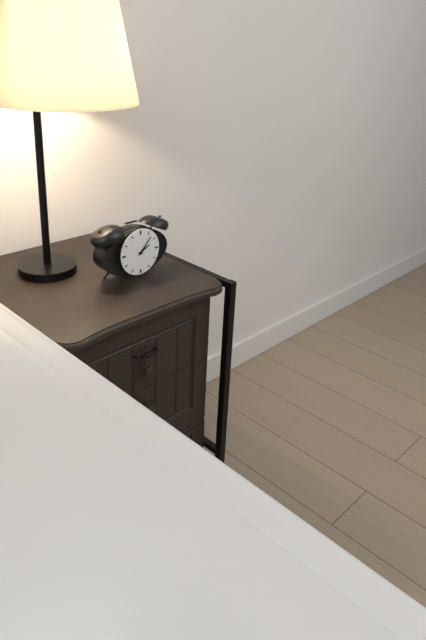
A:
2:07
